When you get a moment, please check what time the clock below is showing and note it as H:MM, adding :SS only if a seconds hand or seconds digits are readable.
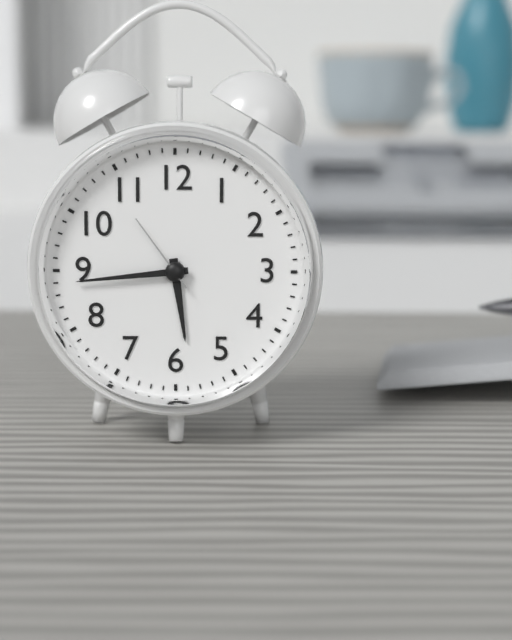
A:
5:44:54
